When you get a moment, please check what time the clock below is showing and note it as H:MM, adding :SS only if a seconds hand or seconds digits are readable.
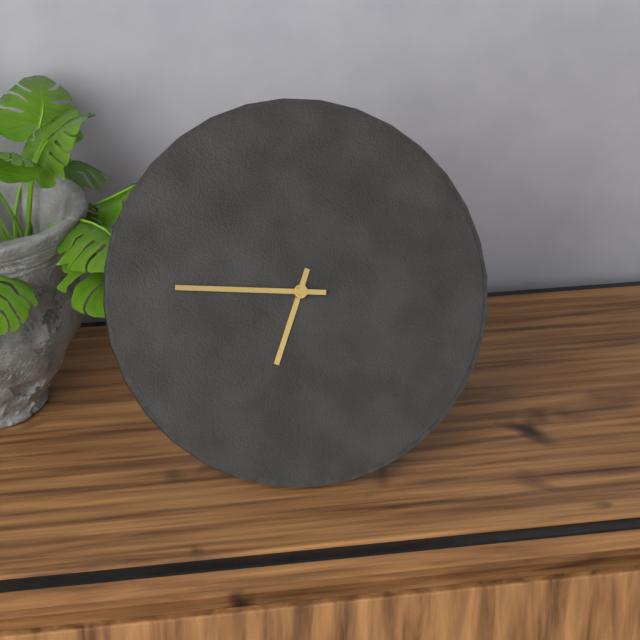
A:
6:46
